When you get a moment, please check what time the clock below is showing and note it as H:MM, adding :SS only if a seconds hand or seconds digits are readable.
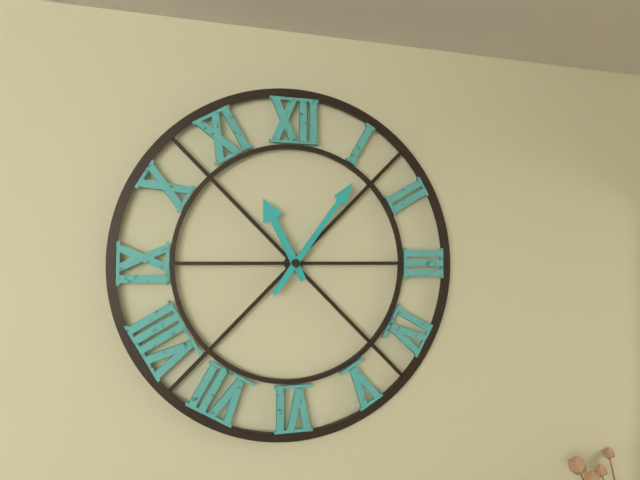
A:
11:06
